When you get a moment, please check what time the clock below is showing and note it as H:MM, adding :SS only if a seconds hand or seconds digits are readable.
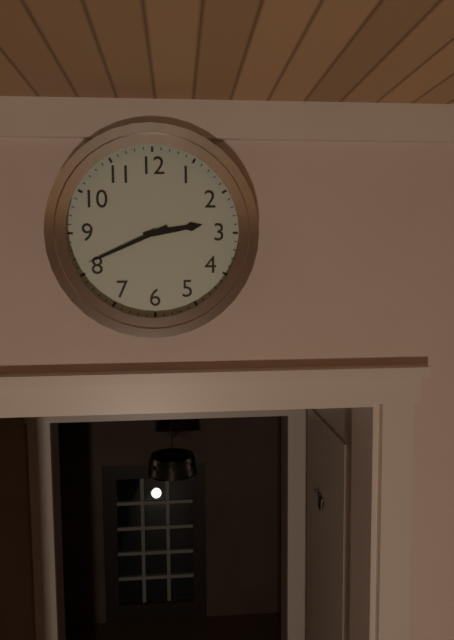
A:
2:41
